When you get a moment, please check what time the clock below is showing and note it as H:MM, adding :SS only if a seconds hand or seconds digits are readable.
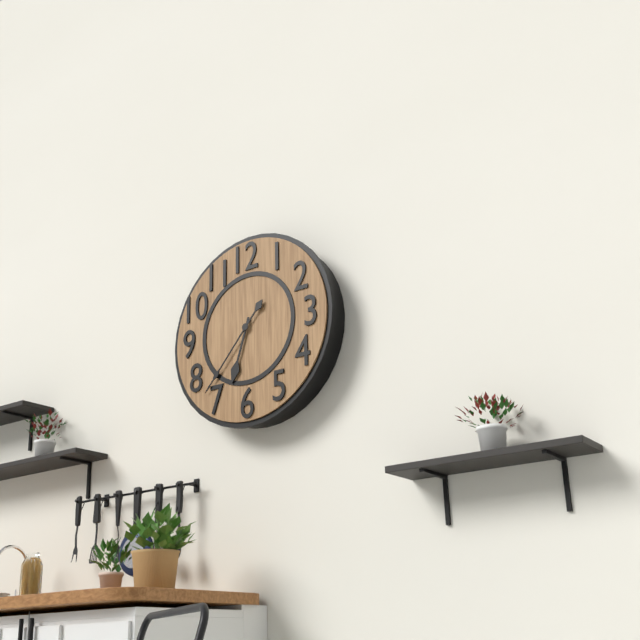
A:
6:37
